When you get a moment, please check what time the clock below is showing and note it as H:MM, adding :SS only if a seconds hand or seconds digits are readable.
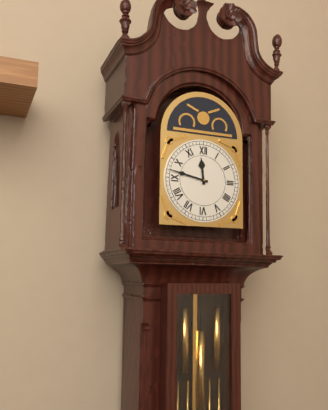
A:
11:47
